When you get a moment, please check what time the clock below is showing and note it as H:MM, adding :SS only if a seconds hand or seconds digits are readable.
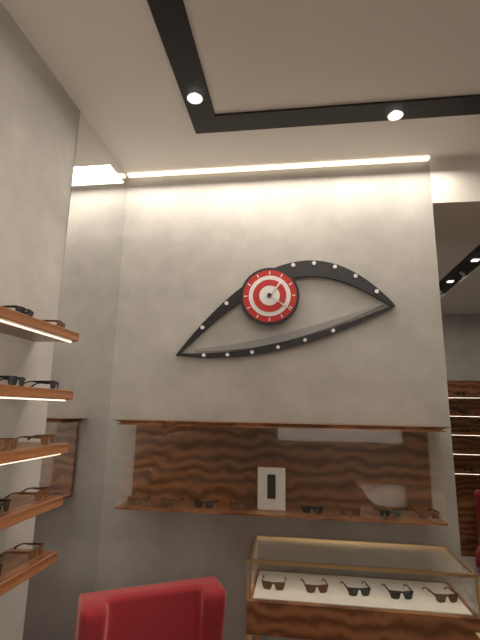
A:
1:21
